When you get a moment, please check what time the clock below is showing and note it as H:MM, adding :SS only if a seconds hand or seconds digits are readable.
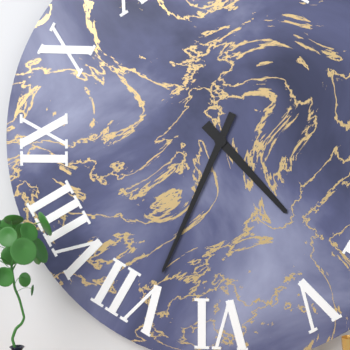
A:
4:34
